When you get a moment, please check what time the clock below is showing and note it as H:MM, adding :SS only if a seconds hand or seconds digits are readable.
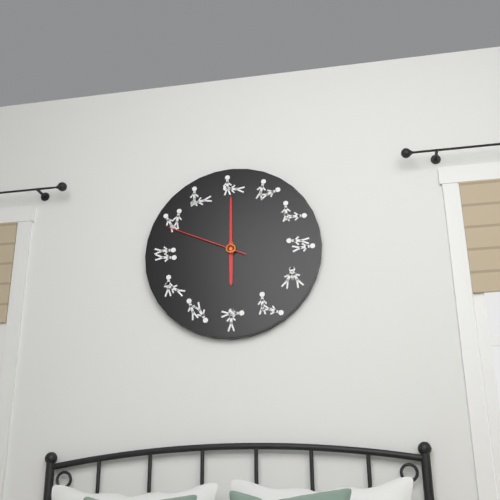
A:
6:00:49
